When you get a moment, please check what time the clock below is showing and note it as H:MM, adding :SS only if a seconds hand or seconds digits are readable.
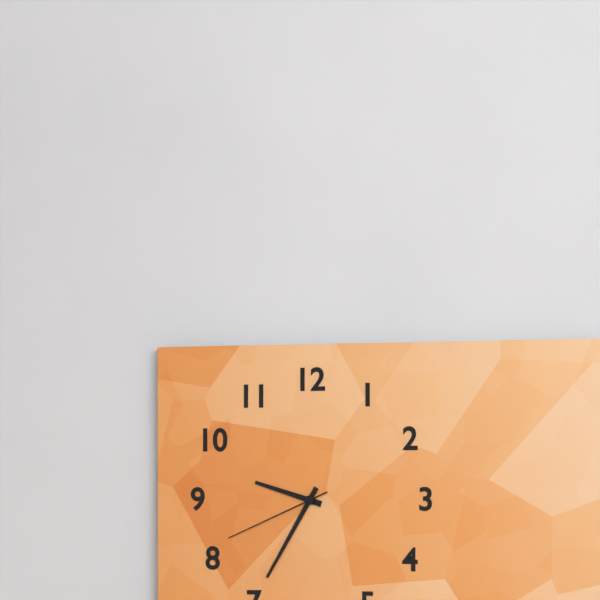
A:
9:35:41
